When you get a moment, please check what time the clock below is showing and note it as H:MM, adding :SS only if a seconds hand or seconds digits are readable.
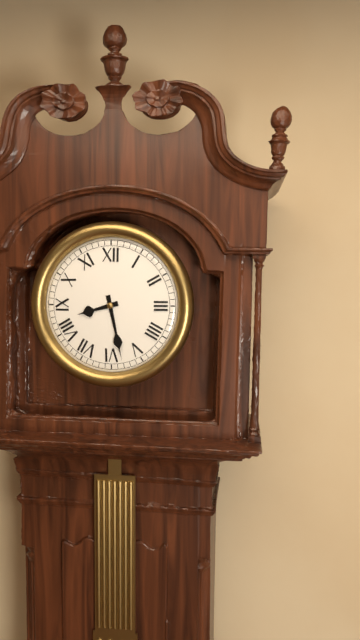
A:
8:28
